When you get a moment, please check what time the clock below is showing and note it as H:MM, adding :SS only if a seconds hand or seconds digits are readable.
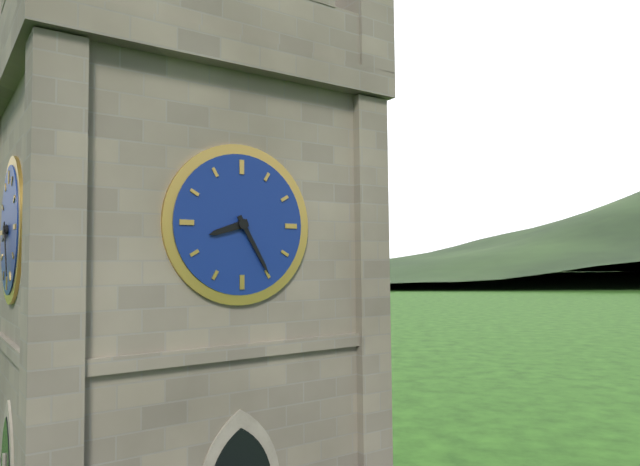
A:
8:25
